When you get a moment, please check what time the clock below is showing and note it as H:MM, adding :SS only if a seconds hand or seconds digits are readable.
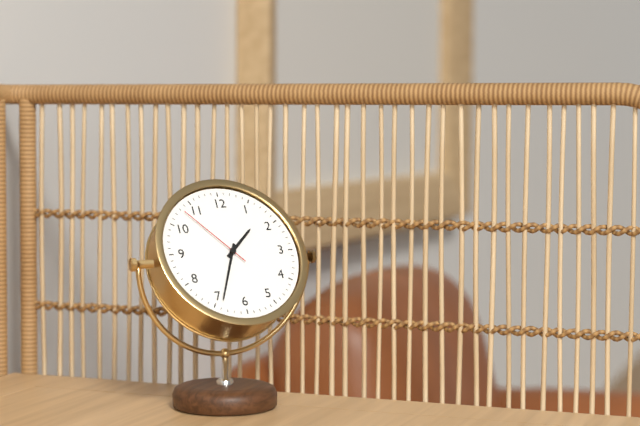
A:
1:34:53
